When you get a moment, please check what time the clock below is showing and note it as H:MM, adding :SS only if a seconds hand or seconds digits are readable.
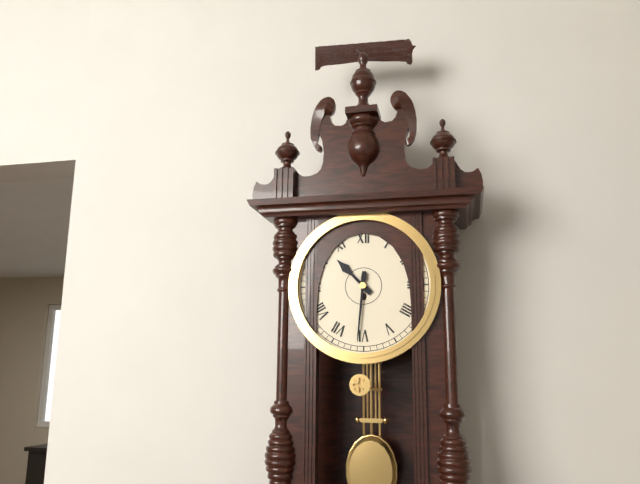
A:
10:31
